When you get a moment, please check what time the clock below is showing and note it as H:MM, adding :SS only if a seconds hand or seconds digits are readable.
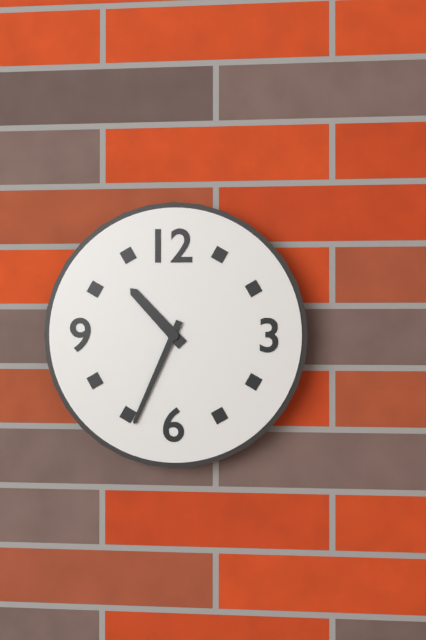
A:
10:34
